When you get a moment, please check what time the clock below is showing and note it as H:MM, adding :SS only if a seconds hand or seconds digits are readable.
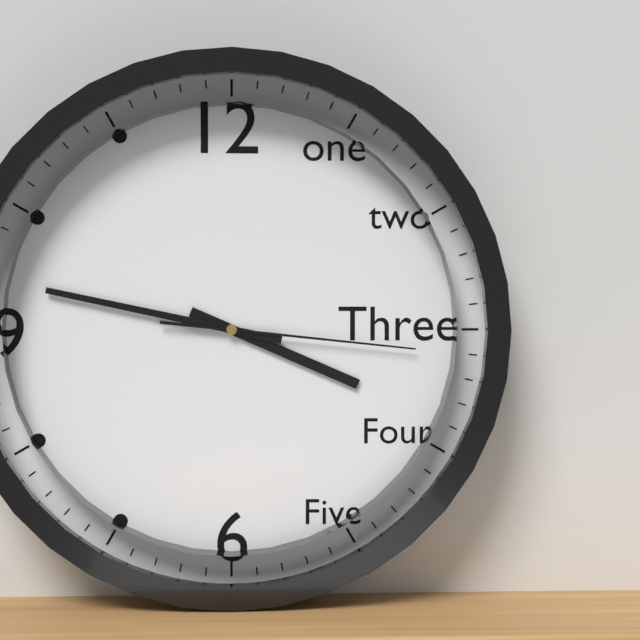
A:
3:47:16
